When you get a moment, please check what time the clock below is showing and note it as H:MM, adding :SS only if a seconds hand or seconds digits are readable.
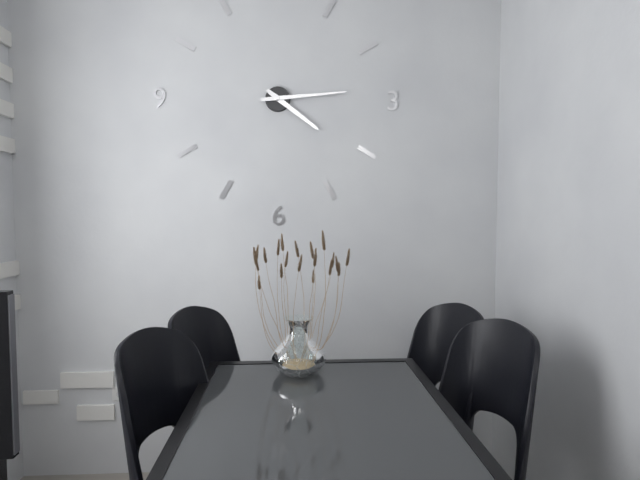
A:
4:14
